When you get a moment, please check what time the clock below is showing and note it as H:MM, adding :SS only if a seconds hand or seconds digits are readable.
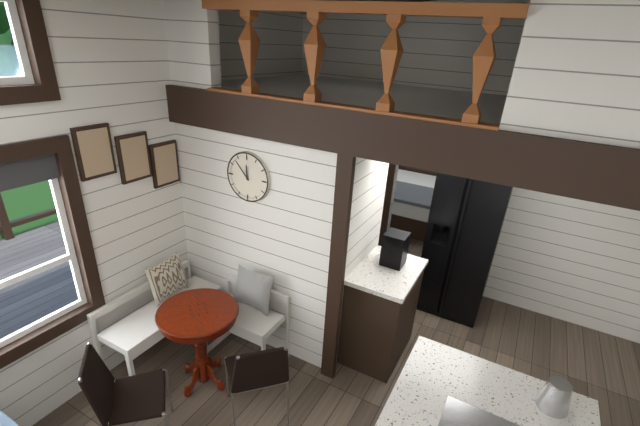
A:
11:53
